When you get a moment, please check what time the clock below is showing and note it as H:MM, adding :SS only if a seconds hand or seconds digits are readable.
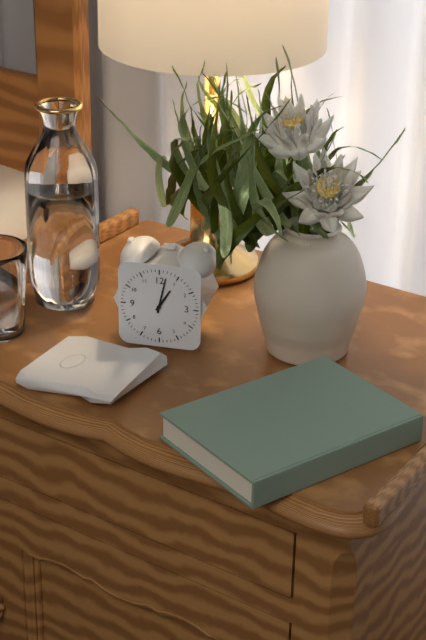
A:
1:02
